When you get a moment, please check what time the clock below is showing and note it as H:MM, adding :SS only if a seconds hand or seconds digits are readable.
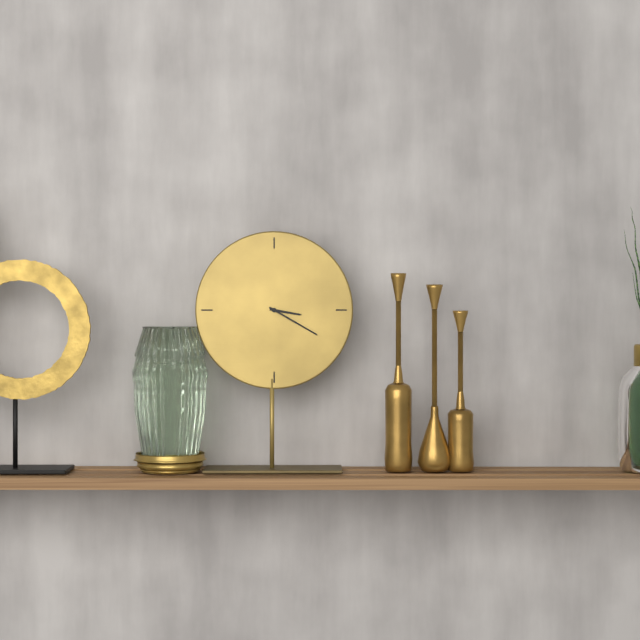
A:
3:20
